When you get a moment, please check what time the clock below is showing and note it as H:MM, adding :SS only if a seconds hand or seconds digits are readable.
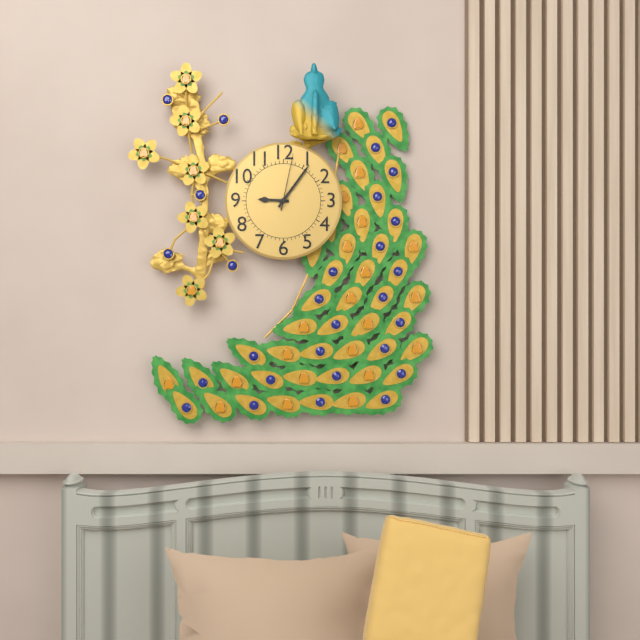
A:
9:06:02
